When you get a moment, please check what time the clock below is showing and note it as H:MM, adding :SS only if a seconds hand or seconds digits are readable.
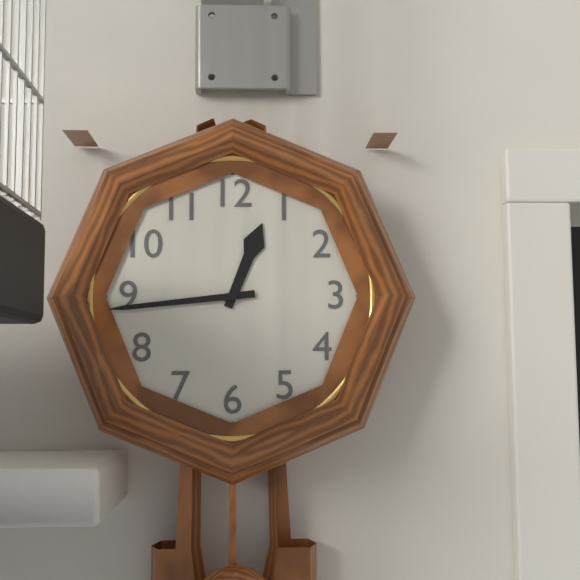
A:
12:44
